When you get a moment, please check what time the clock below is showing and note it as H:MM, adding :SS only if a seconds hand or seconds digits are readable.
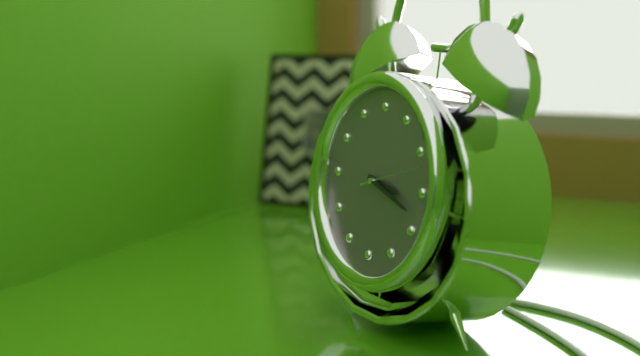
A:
3:18:12
